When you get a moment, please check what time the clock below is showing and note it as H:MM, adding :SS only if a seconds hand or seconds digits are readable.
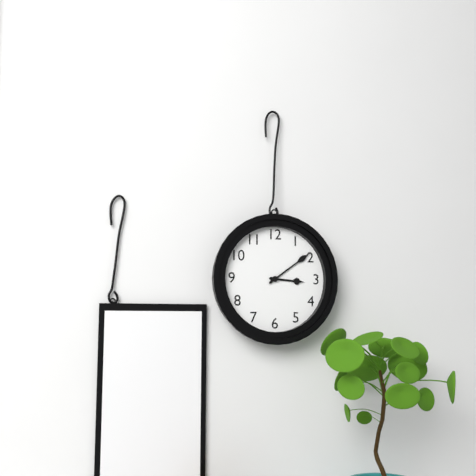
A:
3:09
